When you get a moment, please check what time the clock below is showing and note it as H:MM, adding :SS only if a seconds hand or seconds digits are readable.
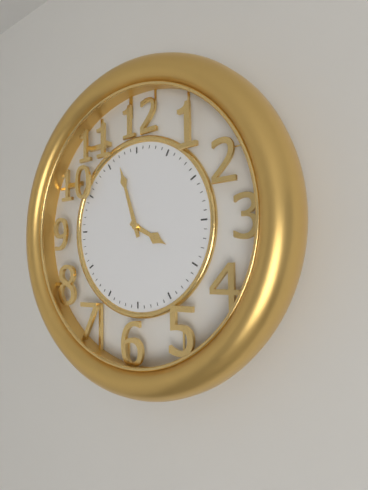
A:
3:57
